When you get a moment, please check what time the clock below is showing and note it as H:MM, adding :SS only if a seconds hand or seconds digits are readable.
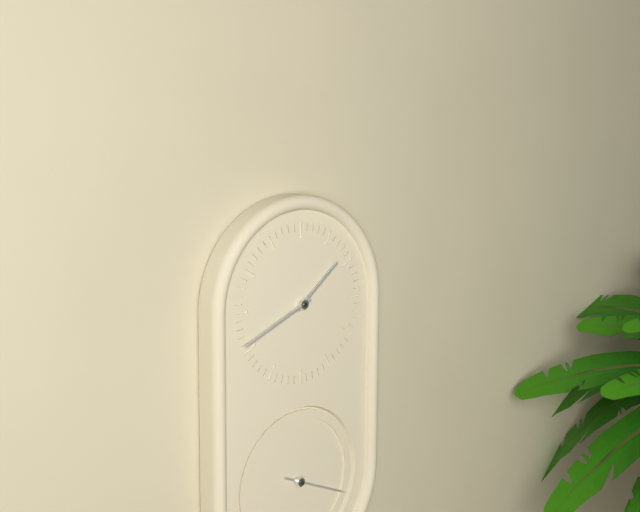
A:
1:41:19
